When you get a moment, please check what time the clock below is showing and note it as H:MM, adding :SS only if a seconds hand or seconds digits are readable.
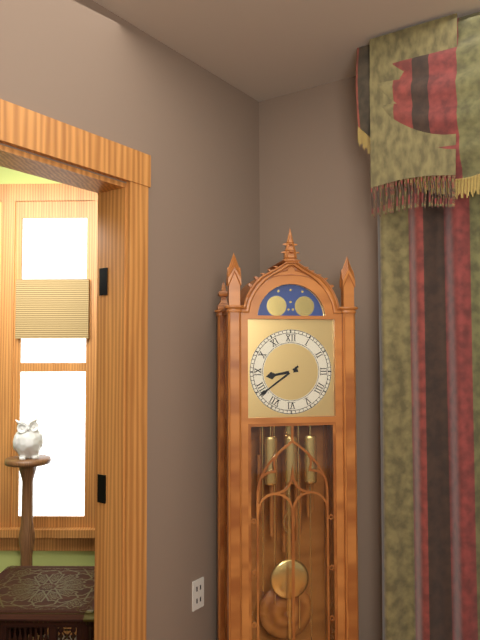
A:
8:39
